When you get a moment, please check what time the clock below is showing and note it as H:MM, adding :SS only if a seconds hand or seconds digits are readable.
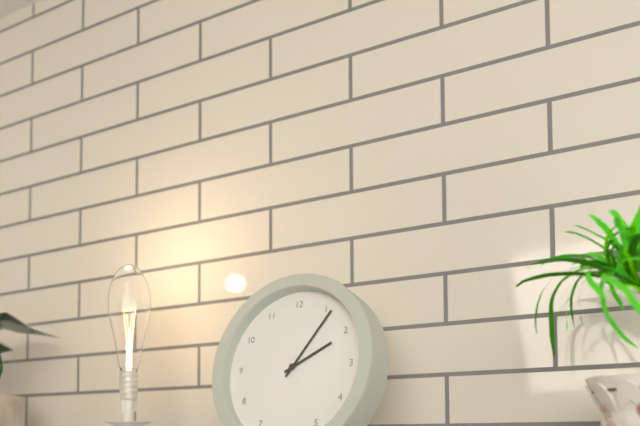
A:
2:06
